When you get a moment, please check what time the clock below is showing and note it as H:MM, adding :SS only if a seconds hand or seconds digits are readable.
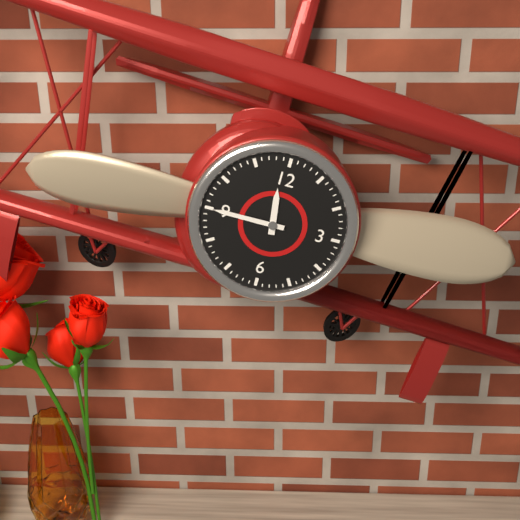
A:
11:45
